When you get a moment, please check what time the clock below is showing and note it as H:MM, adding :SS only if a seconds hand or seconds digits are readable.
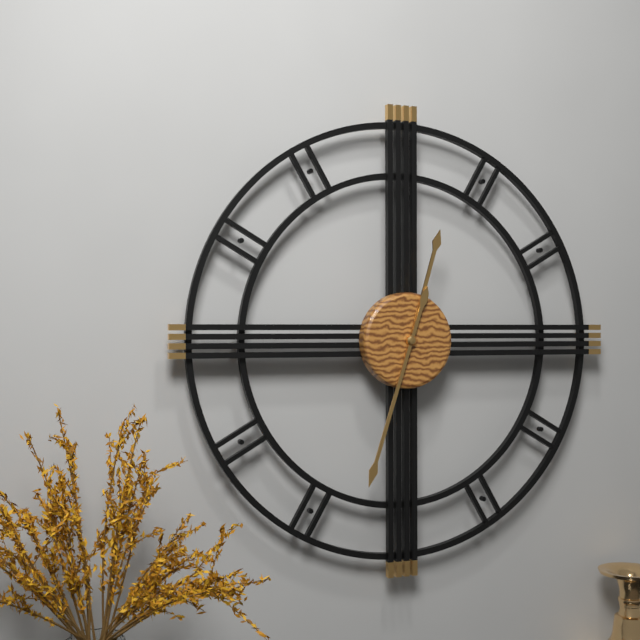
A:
12:33
